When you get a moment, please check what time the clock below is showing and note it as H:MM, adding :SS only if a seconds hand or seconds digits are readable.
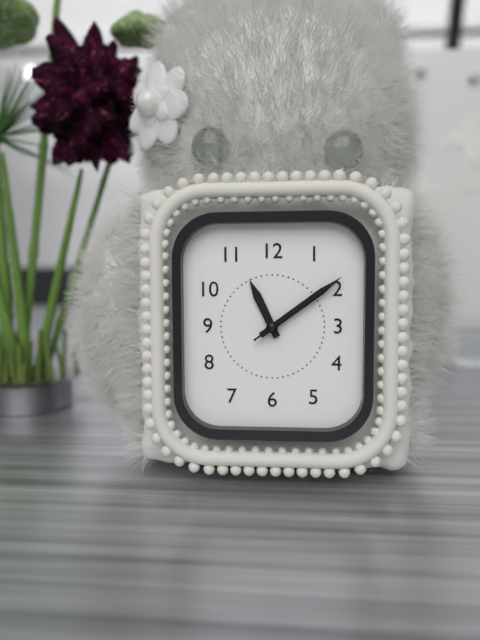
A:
11:09:09
